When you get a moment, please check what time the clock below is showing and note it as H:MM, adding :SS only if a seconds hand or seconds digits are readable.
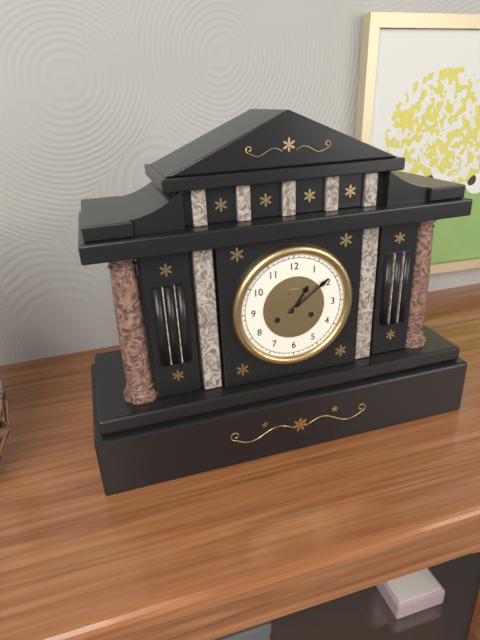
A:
1:09
